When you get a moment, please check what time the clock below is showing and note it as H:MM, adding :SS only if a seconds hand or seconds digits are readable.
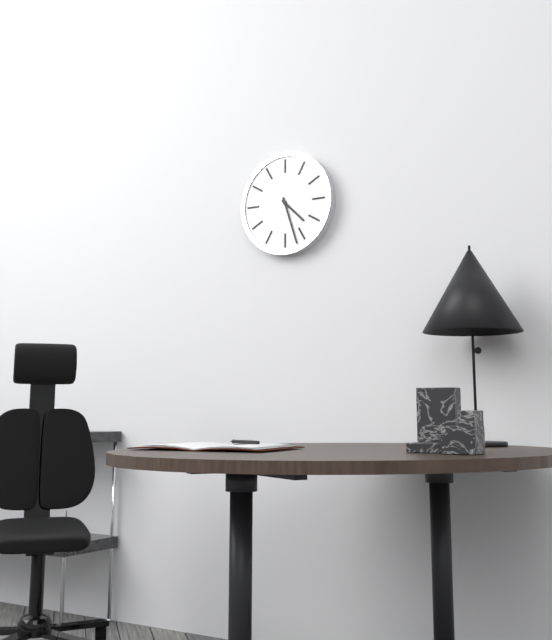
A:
4:27
